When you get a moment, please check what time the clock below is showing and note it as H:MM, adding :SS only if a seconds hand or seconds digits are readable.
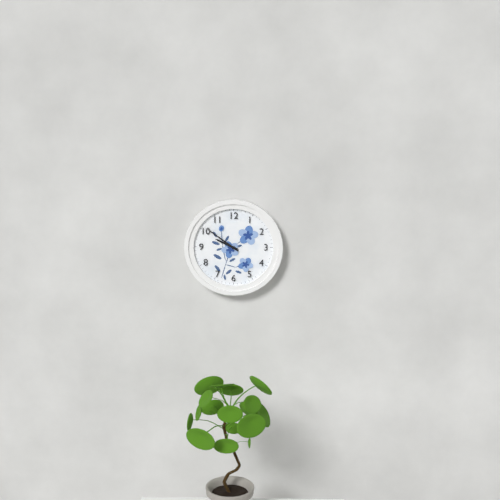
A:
9:51
